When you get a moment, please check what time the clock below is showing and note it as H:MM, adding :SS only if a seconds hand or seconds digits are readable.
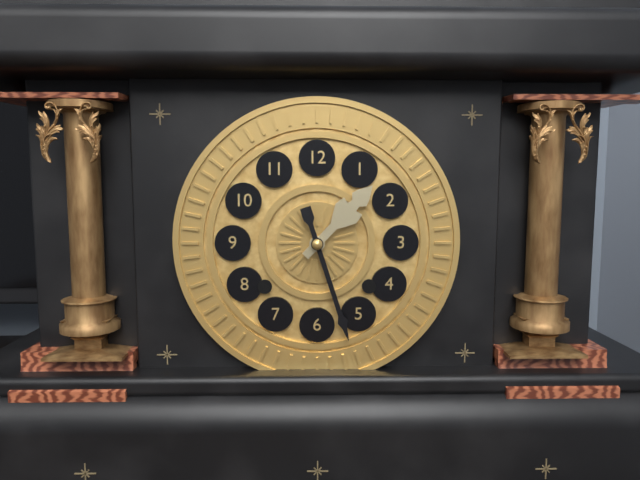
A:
1:27
